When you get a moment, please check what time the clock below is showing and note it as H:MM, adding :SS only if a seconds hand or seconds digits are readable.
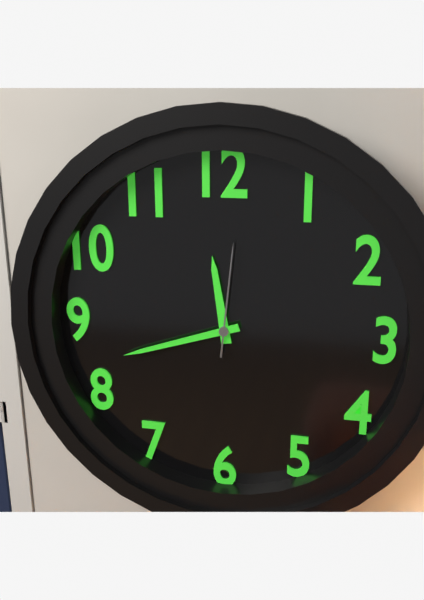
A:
11:42:01
